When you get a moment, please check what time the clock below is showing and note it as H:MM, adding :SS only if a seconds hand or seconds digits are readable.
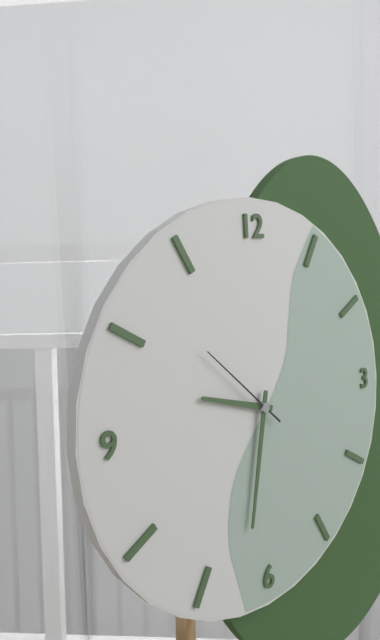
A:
9:32:52
